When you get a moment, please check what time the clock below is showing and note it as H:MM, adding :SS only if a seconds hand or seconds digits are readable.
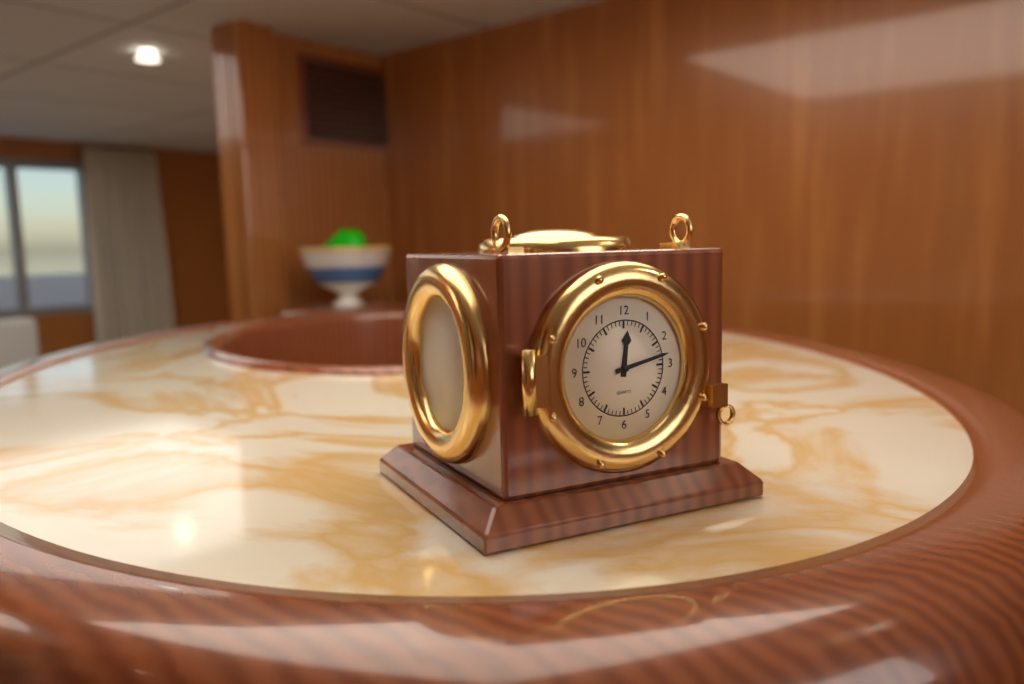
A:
12:13
